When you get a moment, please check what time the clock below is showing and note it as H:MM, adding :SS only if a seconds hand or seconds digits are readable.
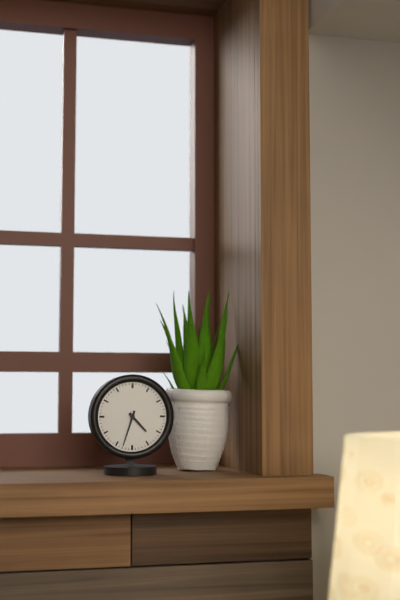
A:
4:33
